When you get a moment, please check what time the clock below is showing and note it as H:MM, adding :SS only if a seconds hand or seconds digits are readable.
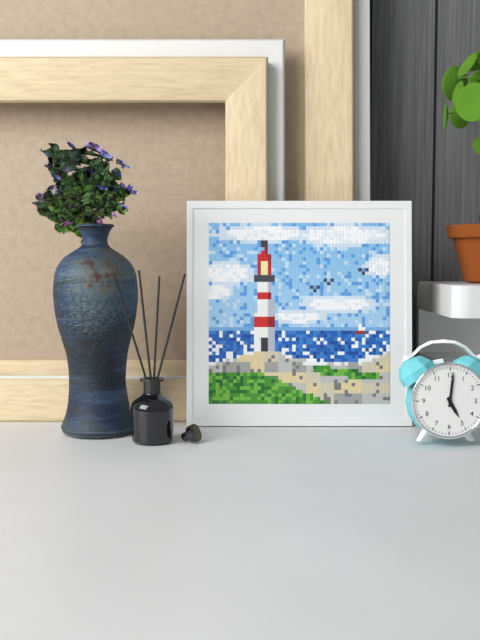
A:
5:01
